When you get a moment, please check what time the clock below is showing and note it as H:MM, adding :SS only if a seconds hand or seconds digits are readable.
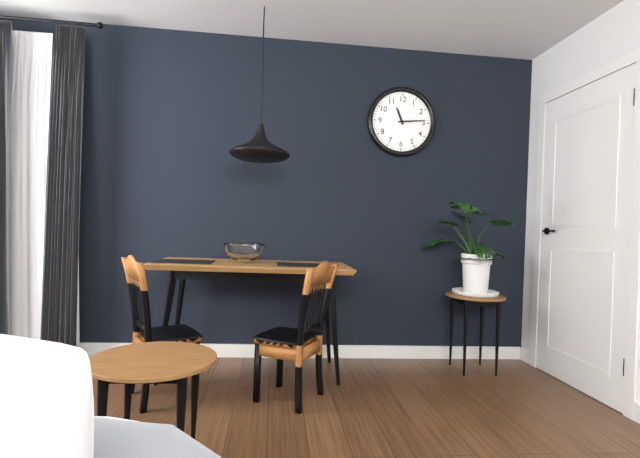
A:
11:14
